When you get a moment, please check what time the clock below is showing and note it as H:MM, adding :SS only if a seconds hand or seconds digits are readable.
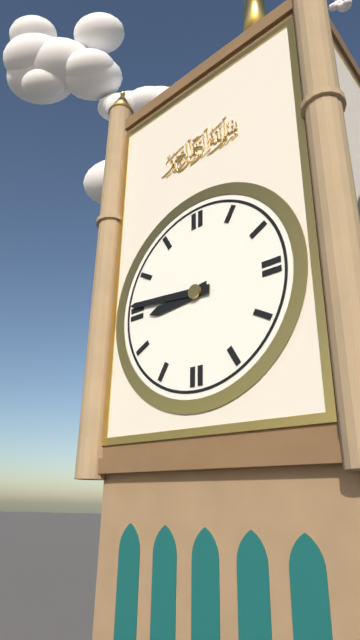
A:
8:46
